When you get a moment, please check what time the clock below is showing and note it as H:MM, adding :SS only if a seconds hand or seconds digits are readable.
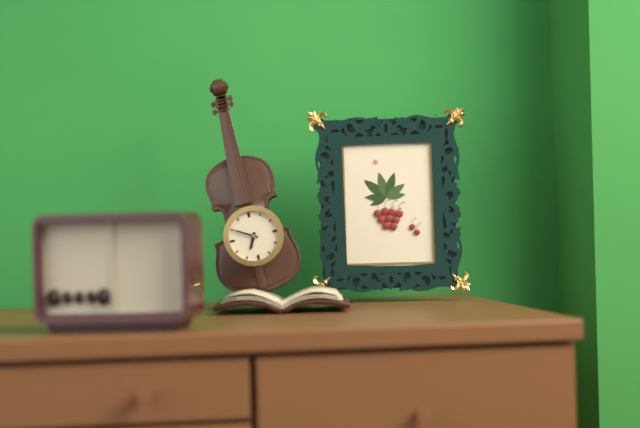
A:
6:50
